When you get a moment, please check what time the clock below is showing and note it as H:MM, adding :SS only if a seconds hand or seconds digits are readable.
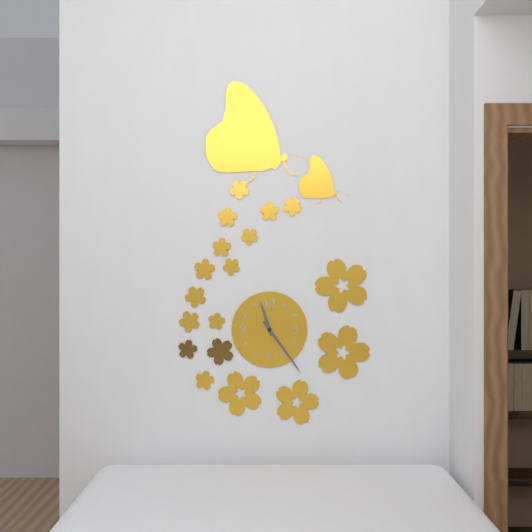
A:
11:24
